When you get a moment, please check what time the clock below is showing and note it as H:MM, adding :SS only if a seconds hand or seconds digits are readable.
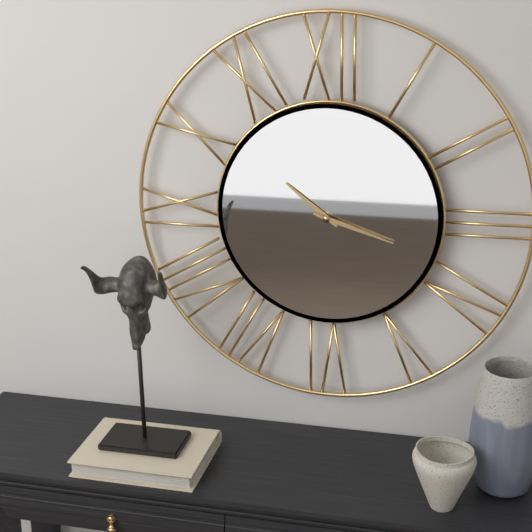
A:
10:18
